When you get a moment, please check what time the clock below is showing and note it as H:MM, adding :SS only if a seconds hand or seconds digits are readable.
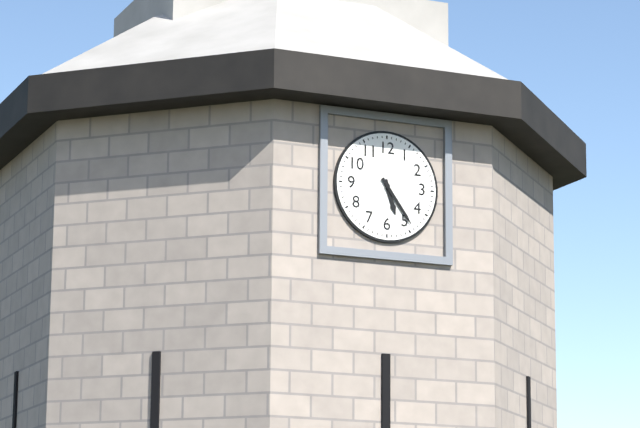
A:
5:24
